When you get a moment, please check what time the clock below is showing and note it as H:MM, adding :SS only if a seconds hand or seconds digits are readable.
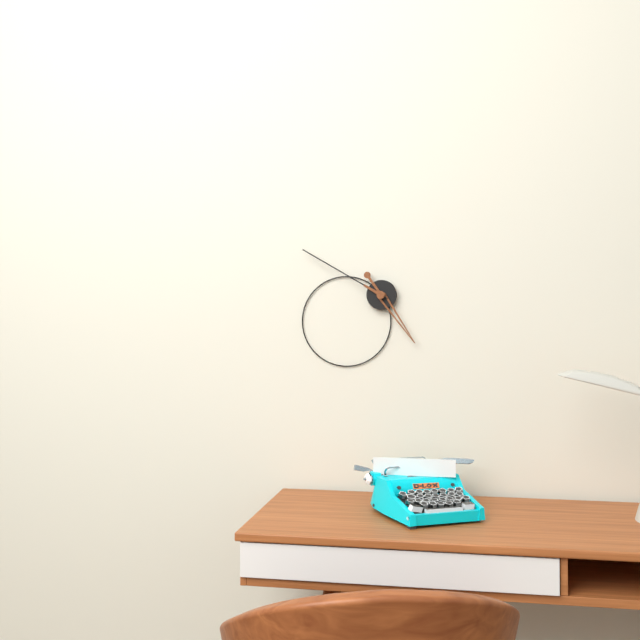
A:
4:50
